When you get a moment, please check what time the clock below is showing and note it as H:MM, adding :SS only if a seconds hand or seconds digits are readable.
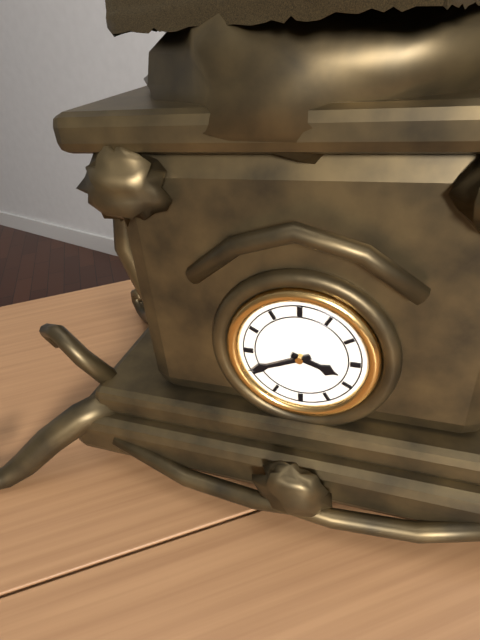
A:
3:41
